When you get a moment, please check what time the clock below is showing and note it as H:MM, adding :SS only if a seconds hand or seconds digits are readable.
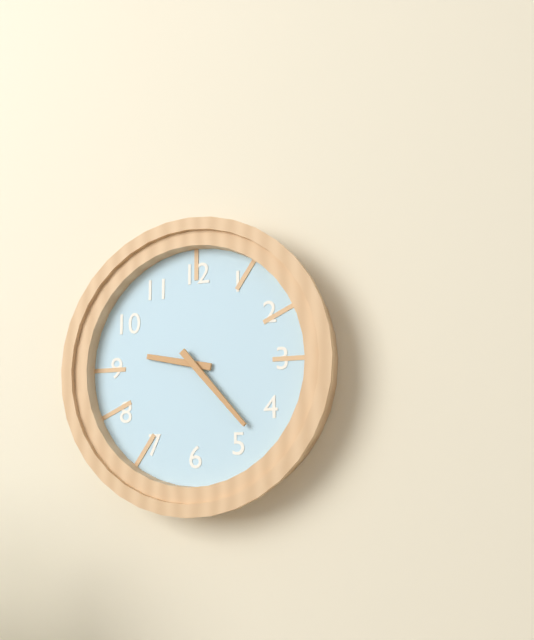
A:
9:23
